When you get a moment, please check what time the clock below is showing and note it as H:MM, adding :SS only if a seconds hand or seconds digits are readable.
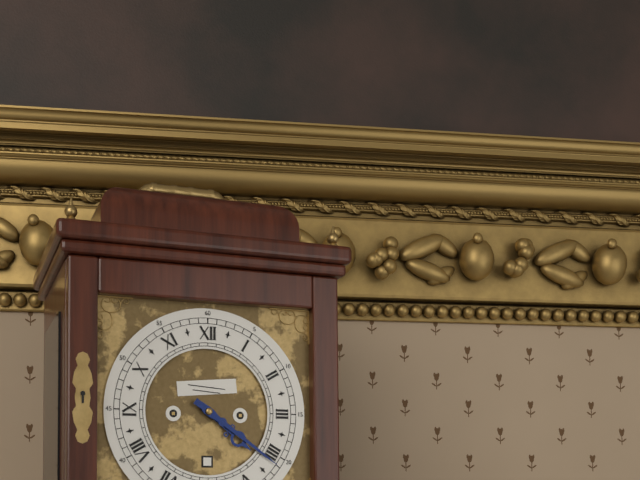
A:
4:21
